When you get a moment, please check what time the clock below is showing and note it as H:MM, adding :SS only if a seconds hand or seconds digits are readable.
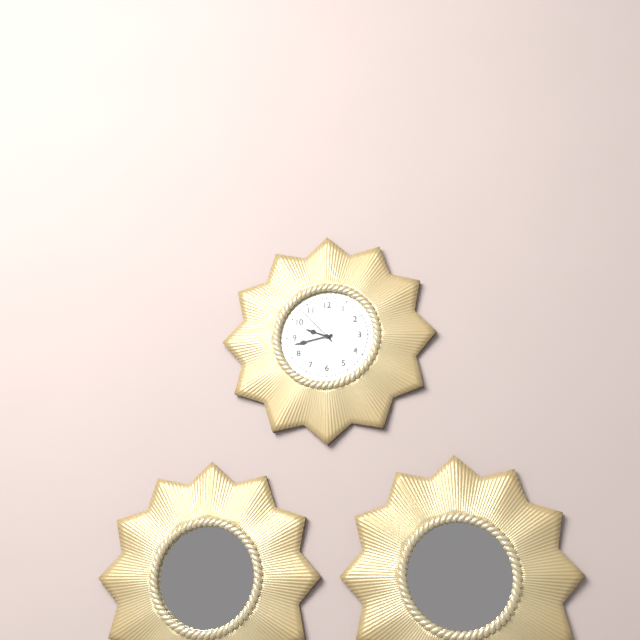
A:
9:43
